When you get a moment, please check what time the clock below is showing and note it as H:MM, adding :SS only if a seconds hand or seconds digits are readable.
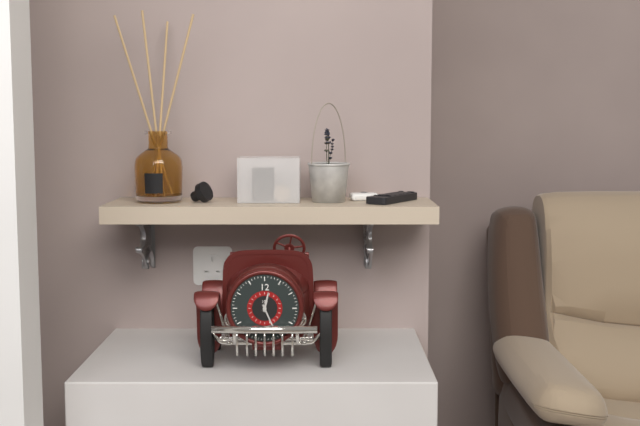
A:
12:26
